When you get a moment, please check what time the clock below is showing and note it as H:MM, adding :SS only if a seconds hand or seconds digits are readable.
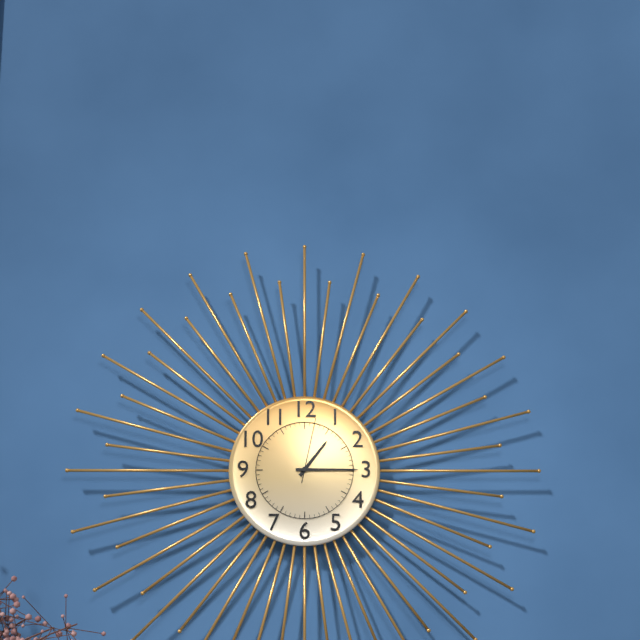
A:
1:15:02
